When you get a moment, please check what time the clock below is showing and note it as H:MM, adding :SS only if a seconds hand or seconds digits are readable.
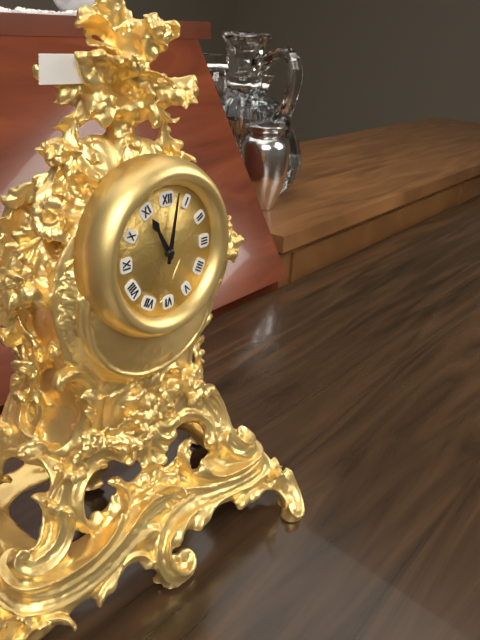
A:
11:02
